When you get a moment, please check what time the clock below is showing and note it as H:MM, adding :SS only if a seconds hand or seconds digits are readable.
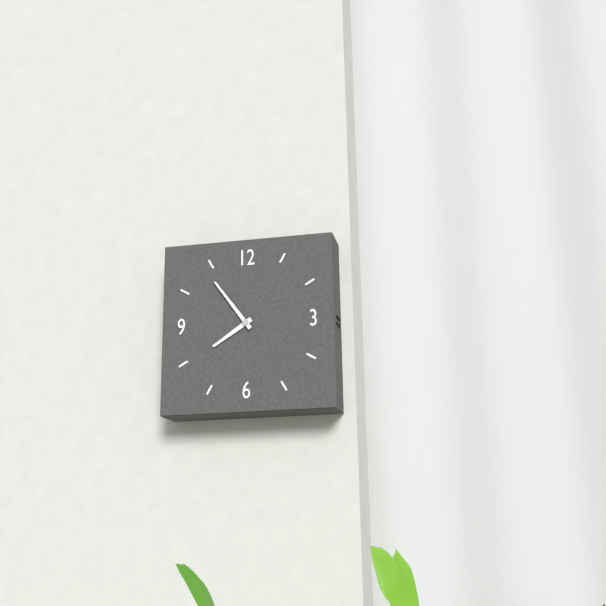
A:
7:54
